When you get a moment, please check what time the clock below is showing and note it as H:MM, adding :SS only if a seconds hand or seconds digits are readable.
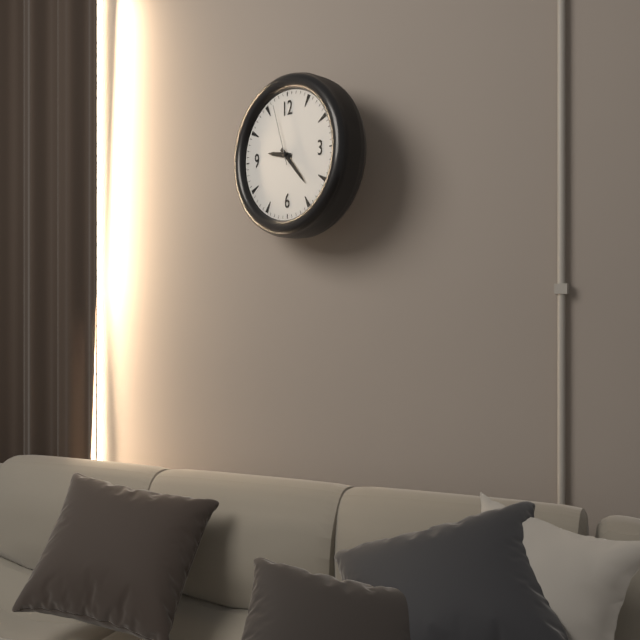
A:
9:23:57
